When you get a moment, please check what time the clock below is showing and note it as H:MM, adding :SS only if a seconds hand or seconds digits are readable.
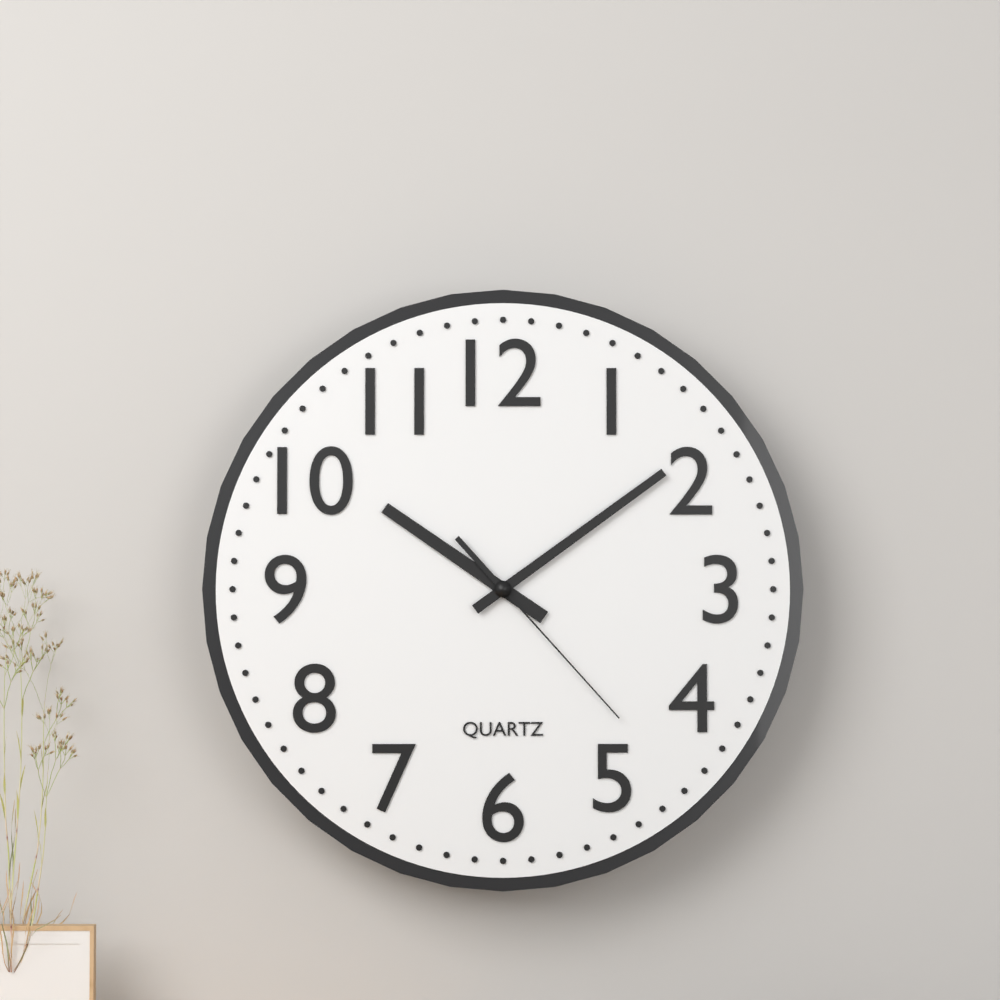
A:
10:09:23
